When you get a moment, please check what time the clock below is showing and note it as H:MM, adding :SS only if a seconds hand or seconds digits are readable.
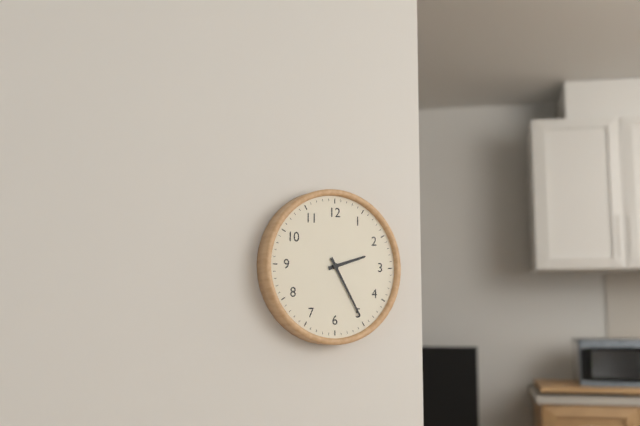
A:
2:25
